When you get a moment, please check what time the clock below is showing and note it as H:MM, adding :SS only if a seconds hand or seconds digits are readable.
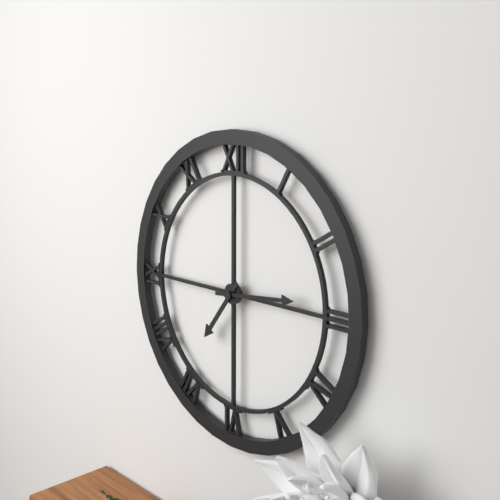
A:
7:14
